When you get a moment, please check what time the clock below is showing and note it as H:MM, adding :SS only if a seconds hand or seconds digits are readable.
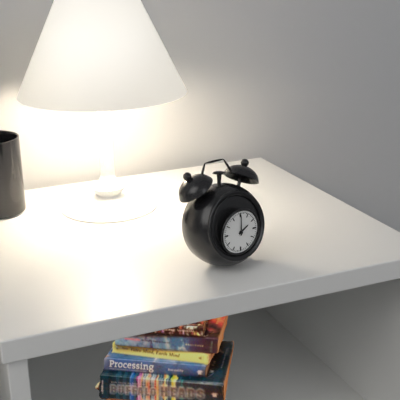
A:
2:00
